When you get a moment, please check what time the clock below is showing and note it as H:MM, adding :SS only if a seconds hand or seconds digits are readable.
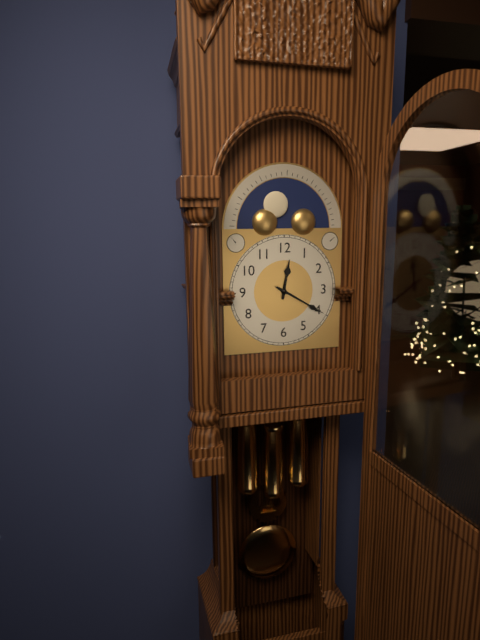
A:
12:20
